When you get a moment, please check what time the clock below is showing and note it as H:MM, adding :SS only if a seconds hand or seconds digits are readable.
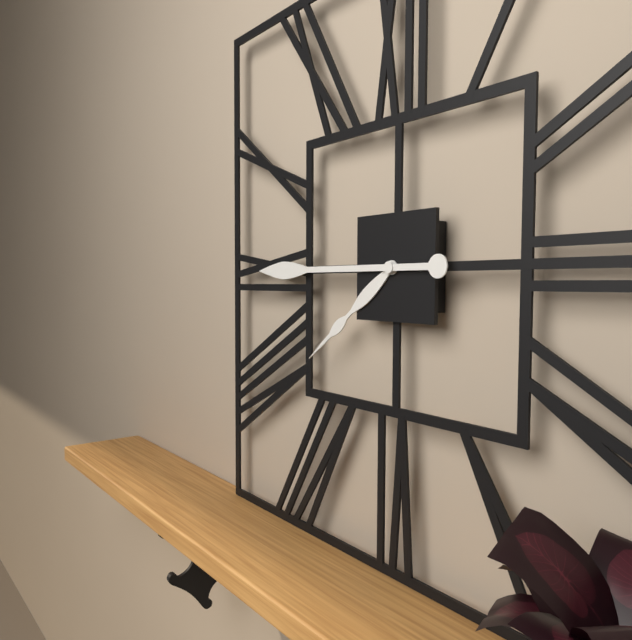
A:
7:45
